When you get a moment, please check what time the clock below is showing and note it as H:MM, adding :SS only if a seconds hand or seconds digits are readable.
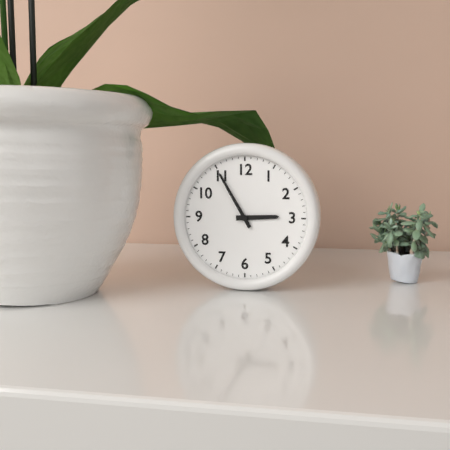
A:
2:55
